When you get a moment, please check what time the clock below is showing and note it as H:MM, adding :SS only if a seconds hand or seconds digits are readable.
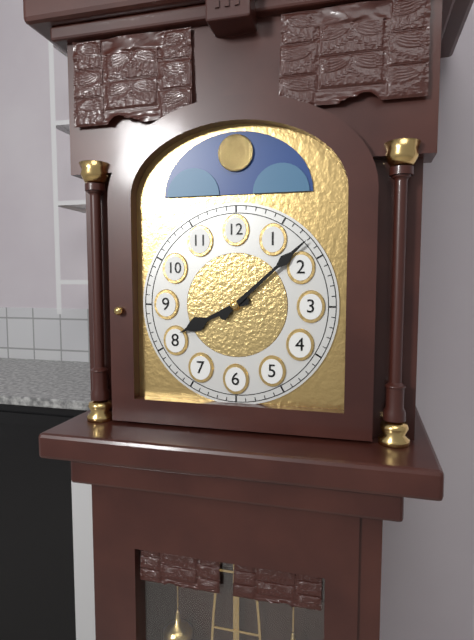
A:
8:08
